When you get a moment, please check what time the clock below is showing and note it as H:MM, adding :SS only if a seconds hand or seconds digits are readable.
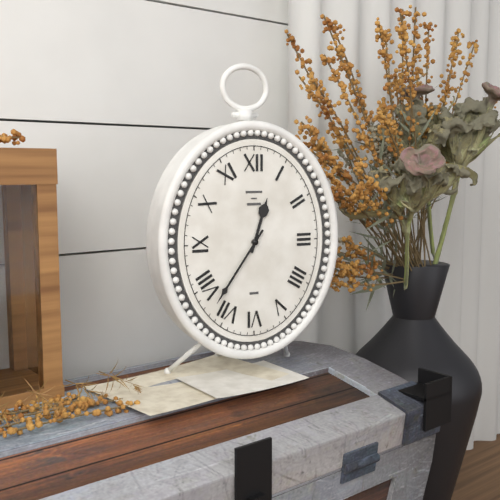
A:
12:36
